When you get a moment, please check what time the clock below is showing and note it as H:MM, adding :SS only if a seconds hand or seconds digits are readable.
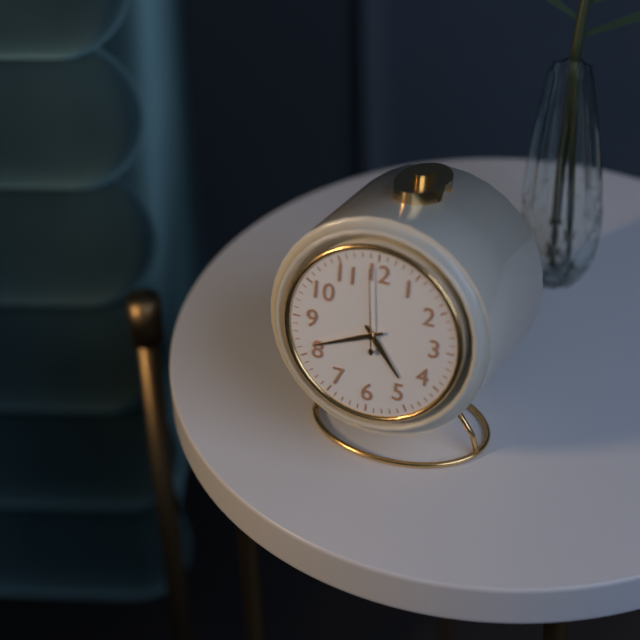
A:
4:41:59
